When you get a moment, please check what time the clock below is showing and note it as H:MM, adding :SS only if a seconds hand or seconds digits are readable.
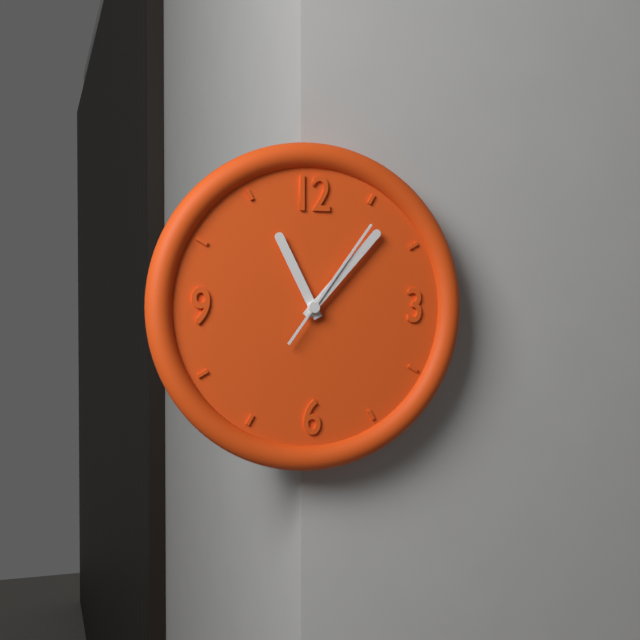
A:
11:07:06
